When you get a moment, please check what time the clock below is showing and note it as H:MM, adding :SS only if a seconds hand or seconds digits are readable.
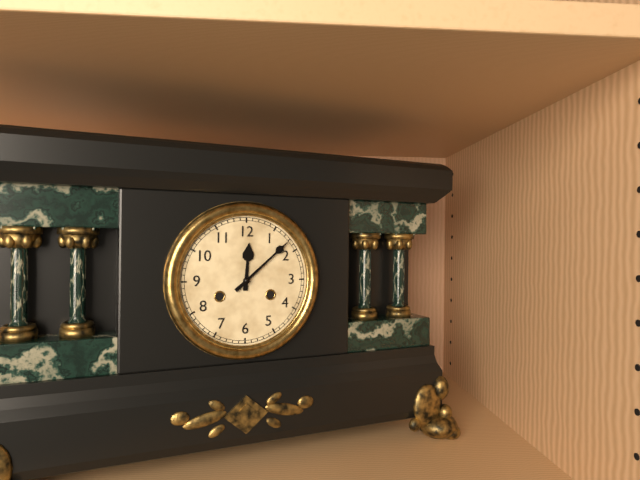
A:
12:08
